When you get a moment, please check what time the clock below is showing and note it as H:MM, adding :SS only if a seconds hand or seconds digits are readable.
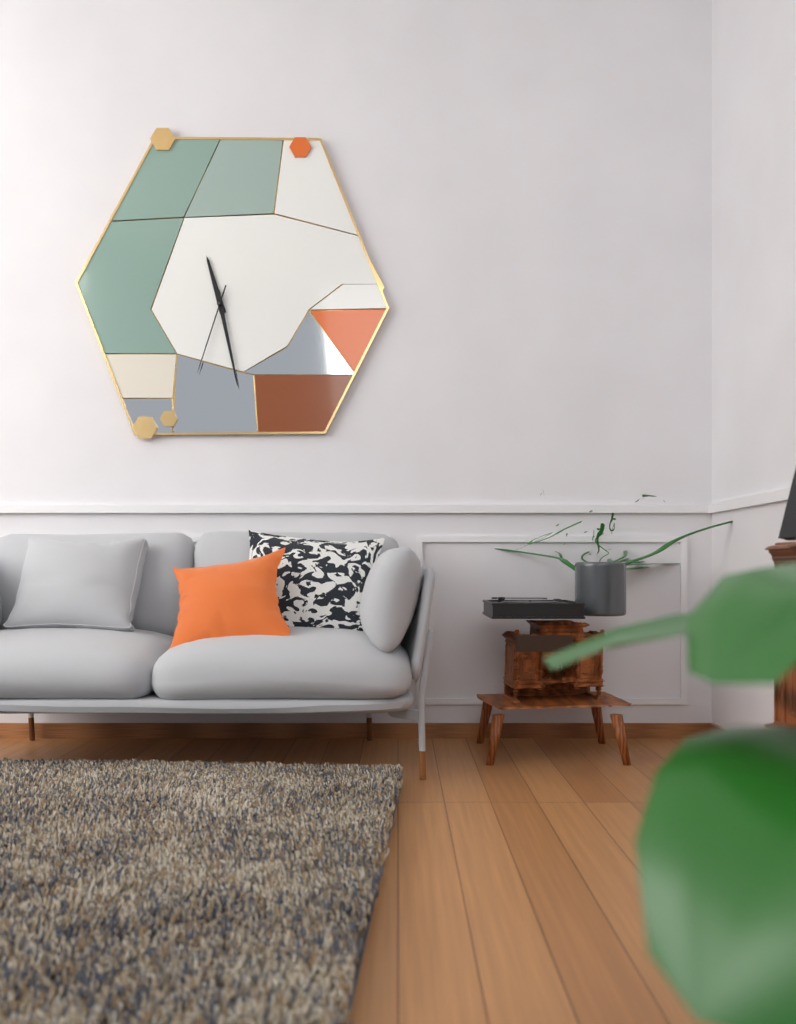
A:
11:28:33
